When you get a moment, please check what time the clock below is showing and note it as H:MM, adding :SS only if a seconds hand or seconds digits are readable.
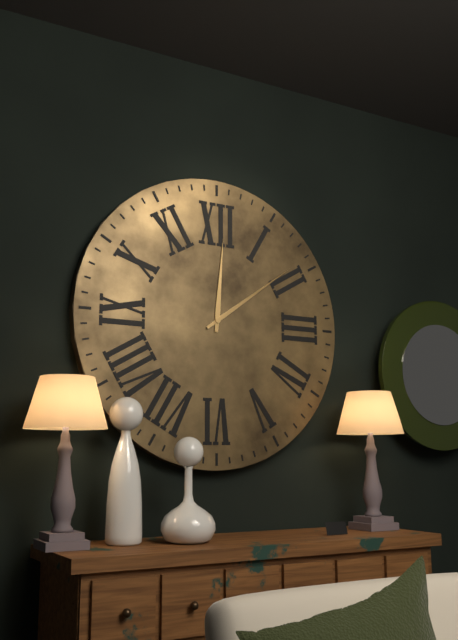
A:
12:09
